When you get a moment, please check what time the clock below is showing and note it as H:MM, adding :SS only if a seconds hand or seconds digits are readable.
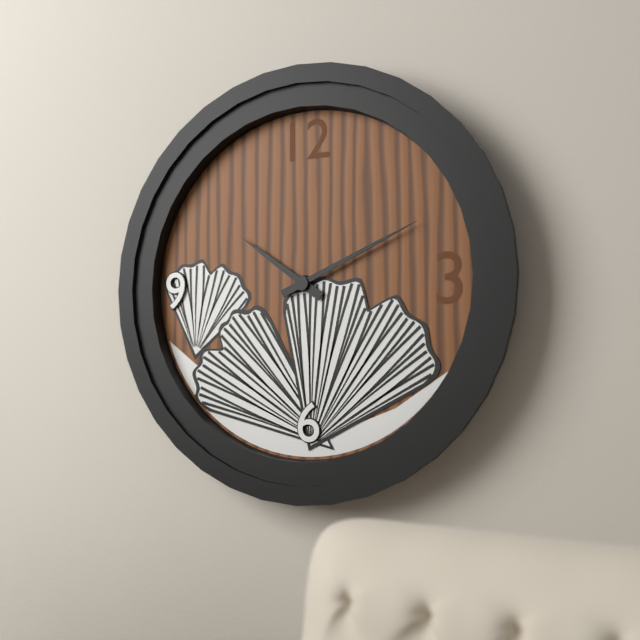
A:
10:11
